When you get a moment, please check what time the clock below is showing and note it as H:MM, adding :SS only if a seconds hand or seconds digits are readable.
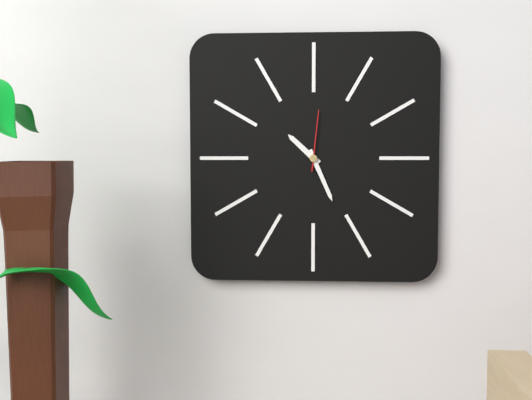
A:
10:26:01
